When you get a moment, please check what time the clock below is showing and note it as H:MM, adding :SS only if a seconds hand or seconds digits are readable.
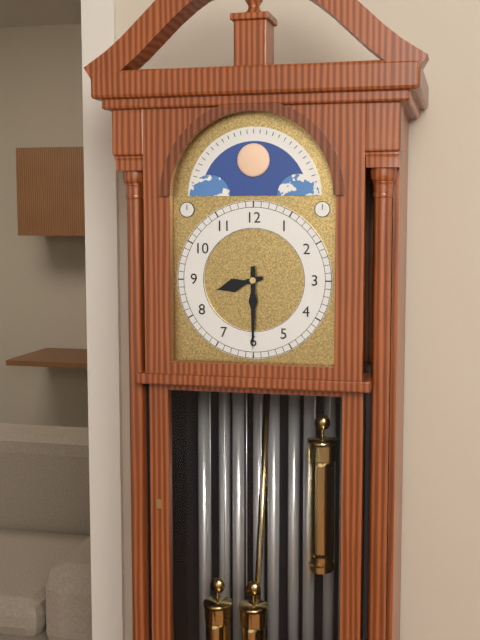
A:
8:30
